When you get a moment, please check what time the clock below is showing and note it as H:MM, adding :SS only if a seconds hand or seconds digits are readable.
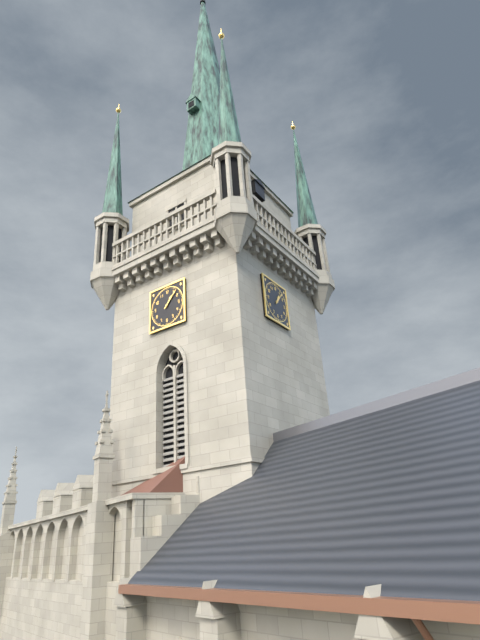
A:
1:07
